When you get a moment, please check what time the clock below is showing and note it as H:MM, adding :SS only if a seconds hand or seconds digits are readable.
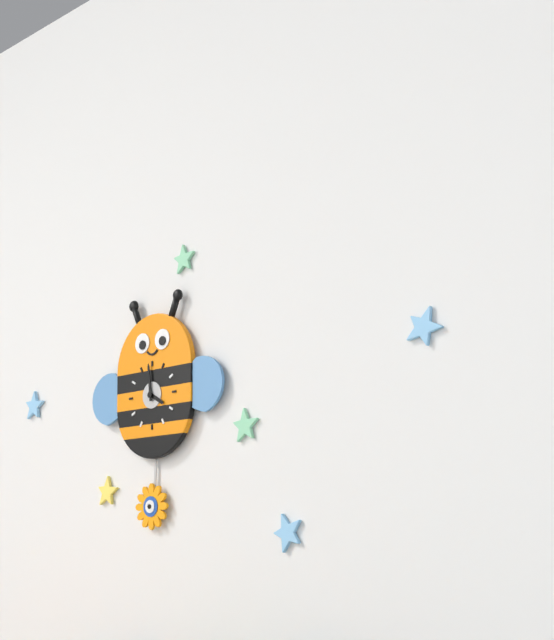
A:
3:59
